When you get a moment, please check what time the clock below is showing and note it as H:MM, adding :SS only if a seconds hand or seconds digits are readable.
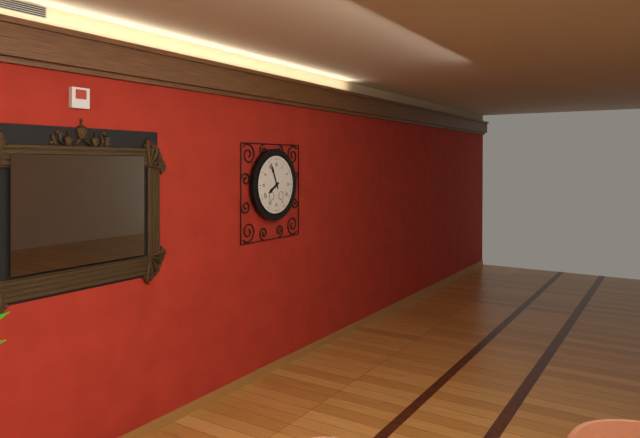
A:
7:56
